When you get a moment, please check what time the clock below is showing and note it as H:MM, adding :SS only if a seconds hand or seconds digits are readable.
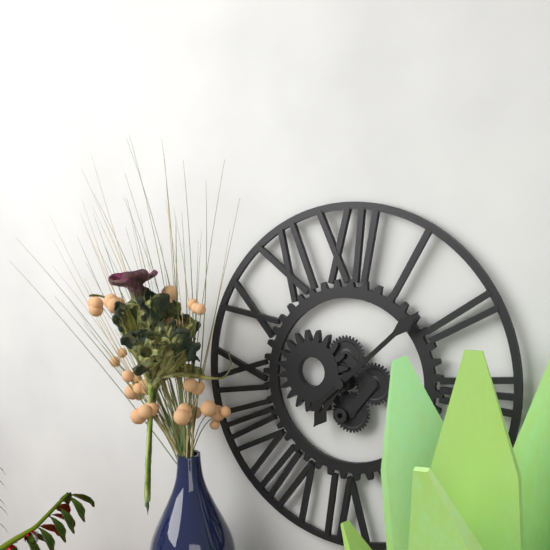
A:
7:08
